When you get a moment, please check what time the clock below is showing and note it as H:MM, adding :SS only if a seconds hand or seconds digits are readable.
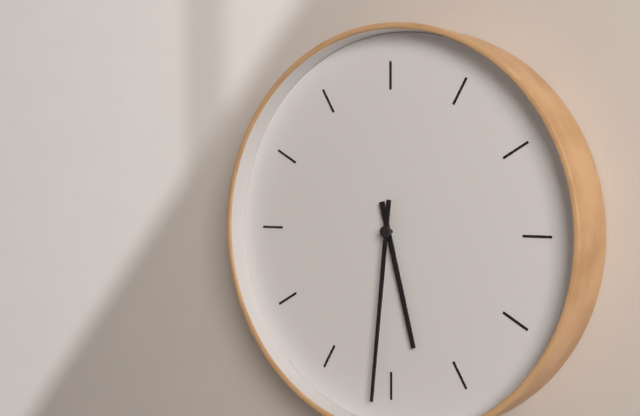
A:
5:31
